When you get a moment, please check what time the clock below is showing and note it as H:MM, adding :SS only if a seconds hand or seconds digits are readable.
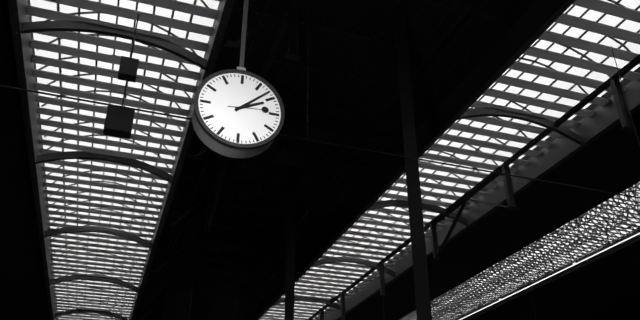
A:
2:08
